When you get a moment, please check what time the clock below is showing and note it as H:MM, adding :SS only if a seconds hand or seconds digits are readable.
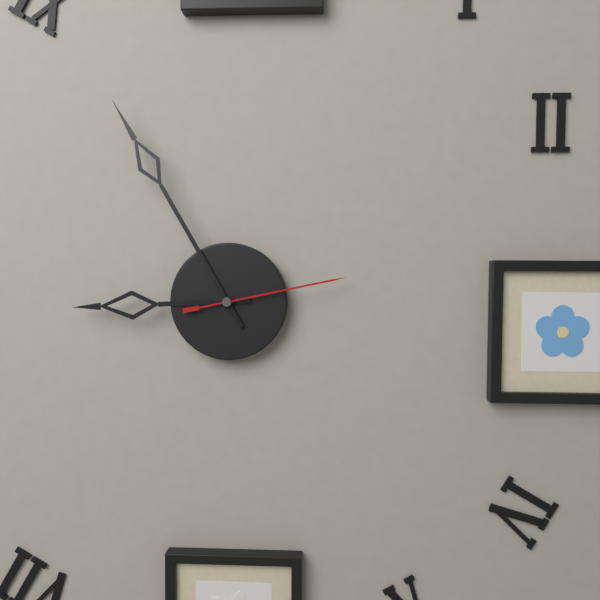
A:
8:55:13
